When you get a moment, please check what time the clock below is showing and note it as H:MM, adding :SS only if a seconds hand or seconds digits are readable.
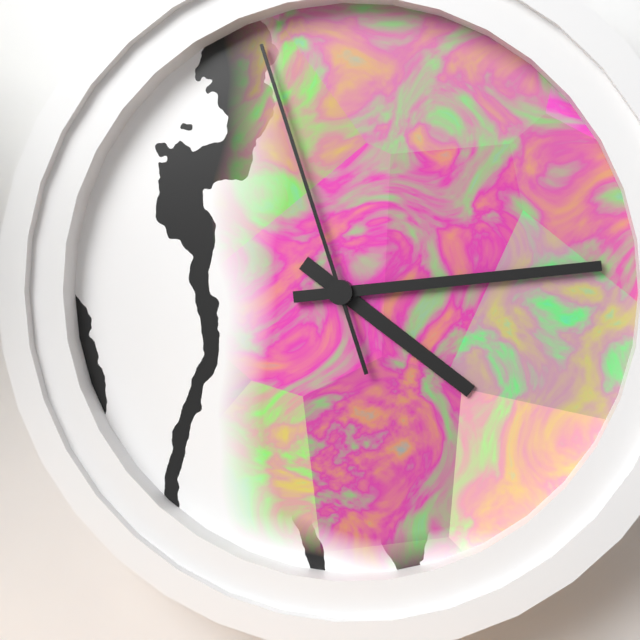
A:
4:14:57
